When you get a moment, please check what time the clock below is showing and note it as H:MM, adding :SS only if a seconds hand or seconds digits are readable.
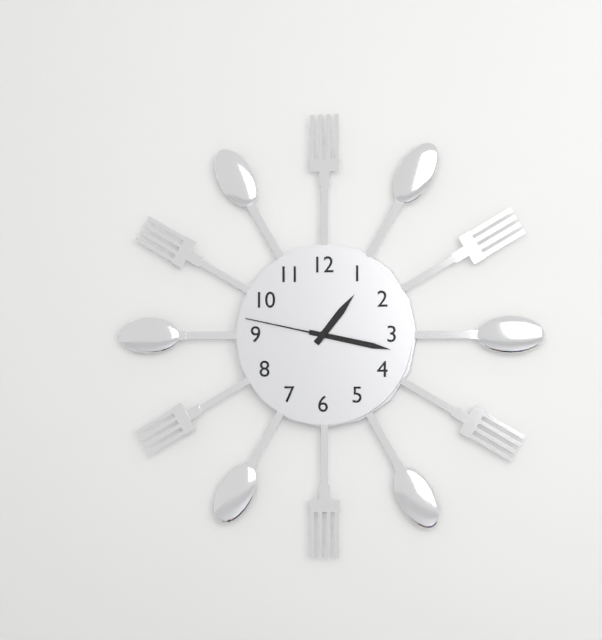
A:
1:17:47
